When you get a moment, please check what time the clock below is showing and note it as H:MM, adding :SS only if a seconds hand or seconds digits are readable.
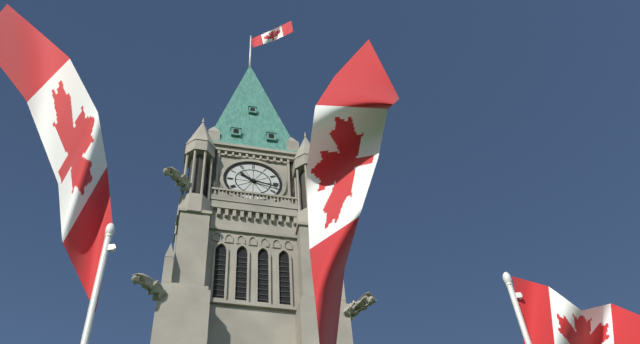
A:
10:17
